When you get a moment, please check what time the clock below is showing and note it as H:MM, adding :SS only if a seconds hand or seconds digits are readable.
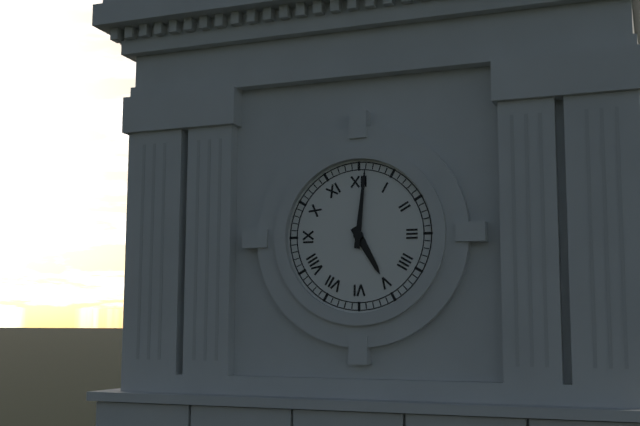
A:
5:01
